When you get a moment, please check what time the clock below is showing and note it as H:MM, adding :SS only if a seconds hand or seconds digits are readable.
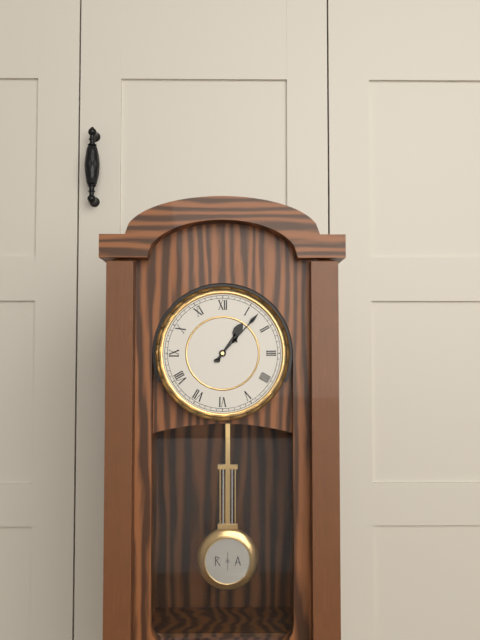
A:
1:07
